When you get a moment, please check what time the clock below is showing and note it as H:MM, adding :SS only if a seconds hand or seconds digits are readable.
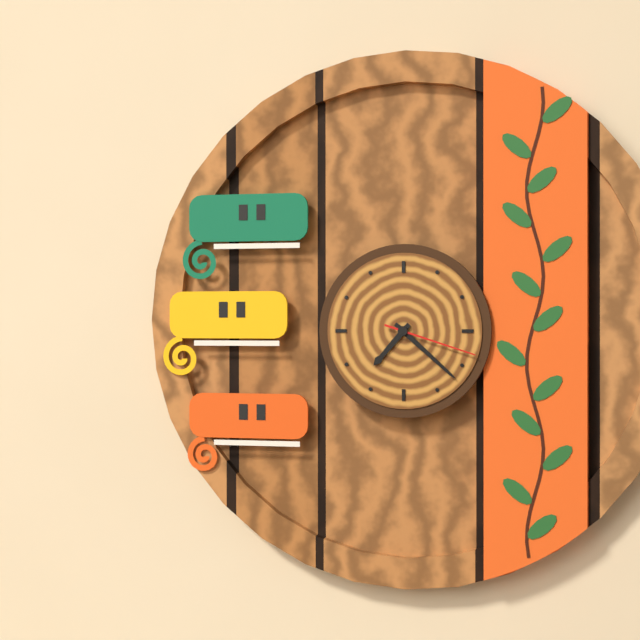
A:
7:22:18
